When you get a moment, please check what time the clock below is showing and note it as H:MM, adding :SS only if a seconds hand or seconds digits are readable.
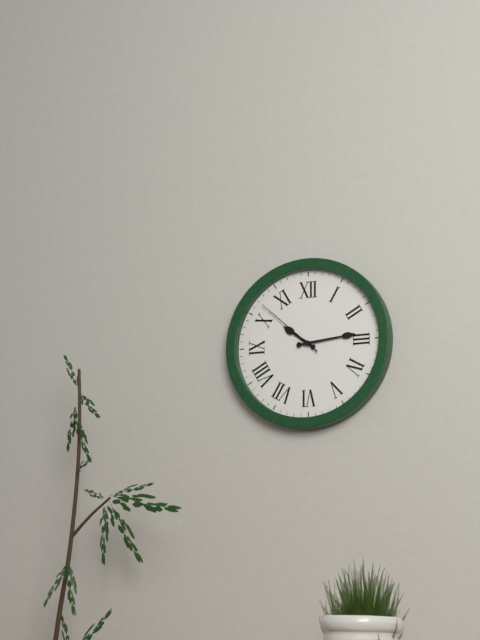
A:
10:14:52
